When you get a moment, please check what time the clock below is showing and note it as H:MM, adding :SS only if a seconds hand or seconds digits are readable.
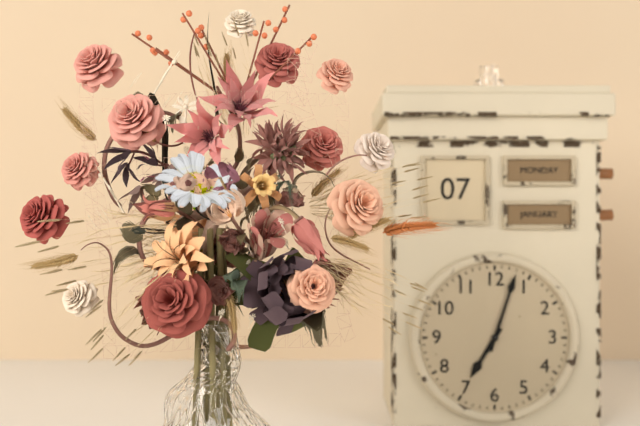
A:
7:03
